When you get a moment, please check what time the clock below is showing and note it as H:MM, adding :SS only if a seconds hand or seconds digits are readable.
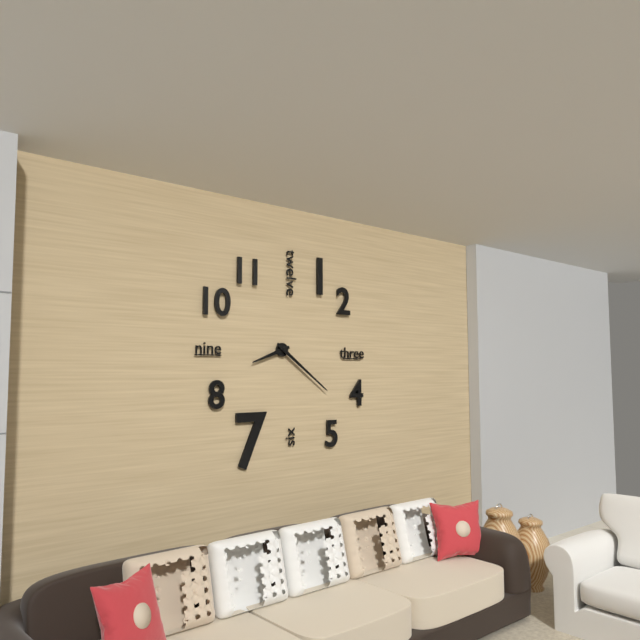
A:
8:21
